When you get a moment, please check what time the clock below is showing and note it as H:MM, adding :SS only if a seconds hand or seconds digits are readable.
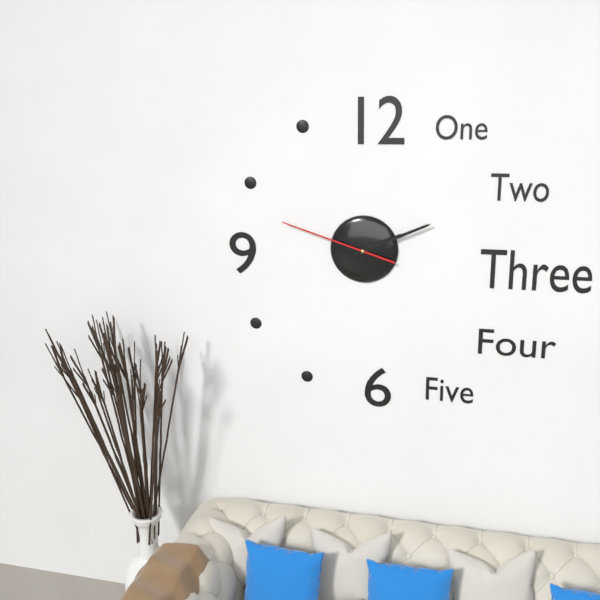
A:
2:11:48
